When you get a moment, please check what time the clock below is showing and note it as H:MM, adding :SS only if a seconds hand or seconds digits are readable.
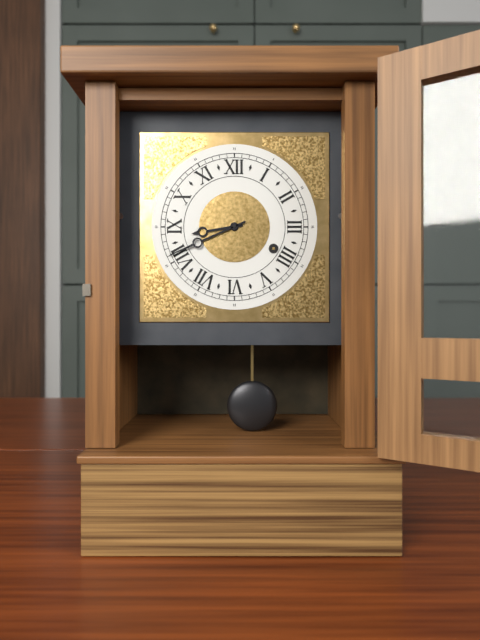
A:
8:41
